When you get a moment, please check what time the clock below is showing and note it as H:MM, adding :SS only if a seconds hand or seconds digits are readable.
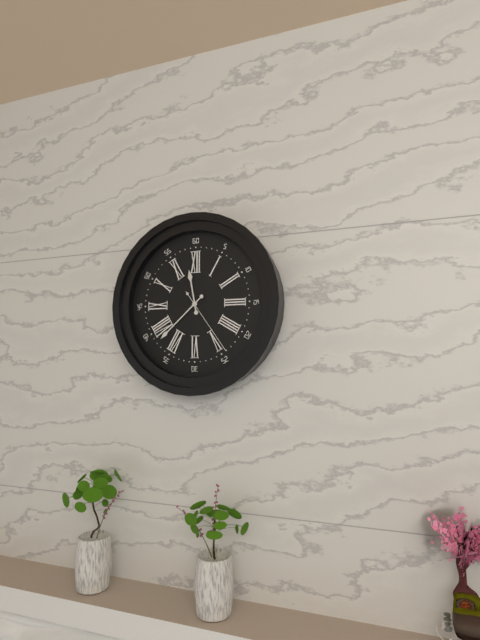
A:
11:38:24
